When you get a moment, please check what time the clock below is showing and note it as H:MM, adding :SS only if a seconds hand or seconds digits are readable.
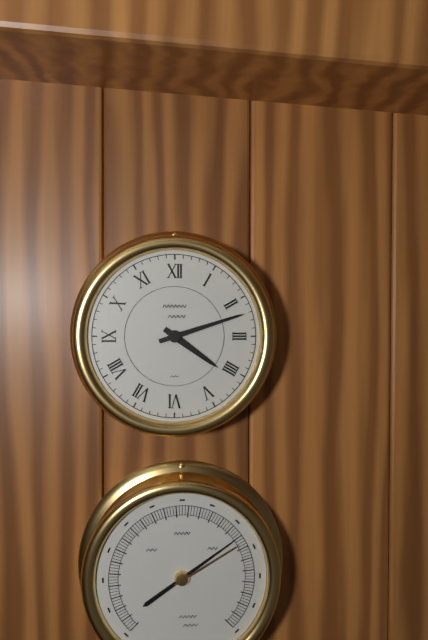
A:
4:12
